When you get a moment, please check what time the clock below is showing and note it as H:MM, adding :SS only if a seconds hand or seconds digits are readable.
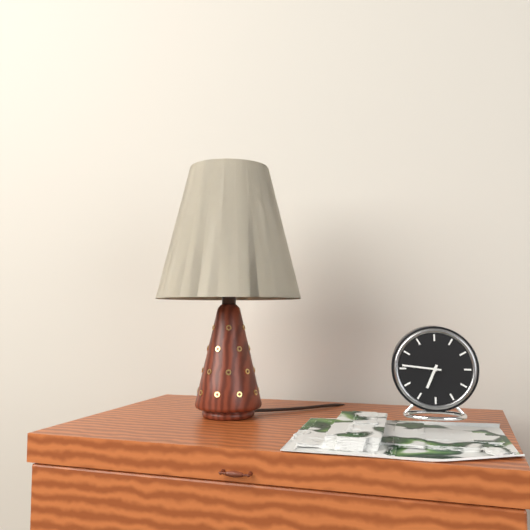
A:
6:46
